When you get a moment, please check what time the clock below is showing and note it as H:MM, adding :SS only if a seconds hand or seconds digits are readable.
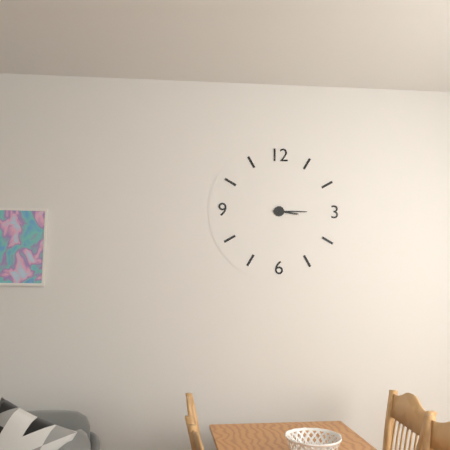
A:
3:15
